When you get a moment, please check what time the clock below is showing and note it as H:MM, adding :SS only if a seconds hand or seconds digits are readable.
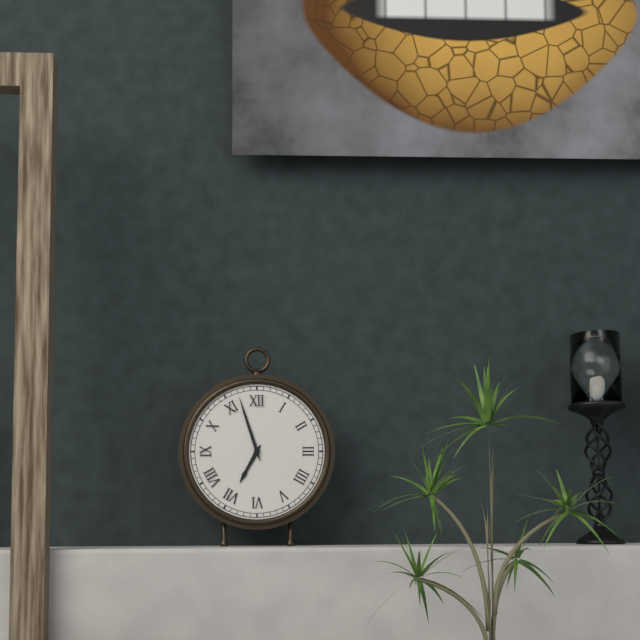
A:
6:57
